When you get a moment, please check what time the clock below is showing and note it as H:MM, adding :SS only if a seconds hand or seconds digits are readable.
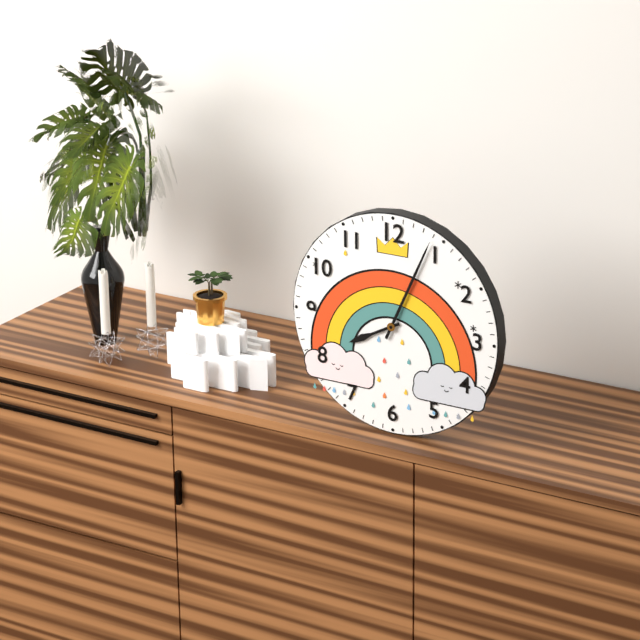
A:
8:04
